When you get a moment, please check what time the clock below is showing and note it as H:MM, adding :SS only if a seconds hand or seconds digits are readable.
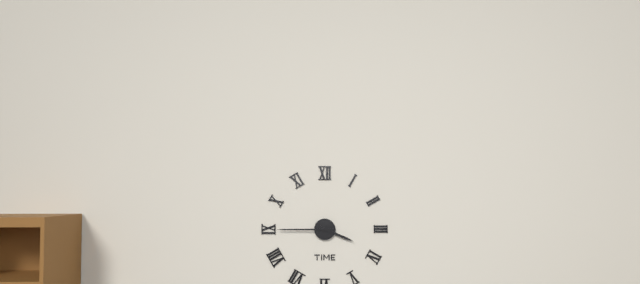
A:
3:45
